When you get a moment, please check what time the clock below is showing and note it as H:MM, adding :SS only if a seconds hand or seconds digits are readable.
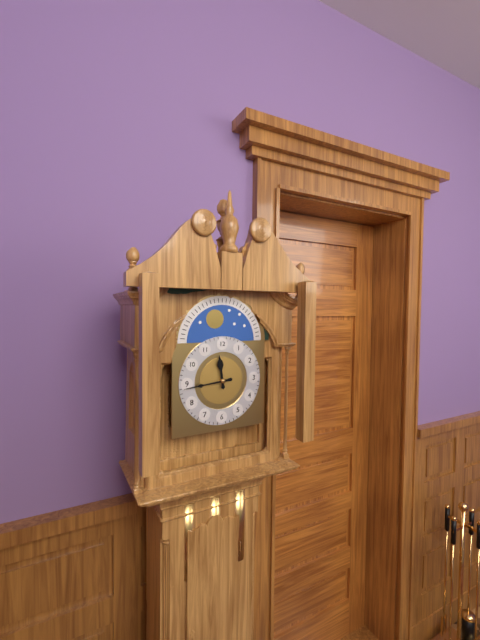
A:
11:44
